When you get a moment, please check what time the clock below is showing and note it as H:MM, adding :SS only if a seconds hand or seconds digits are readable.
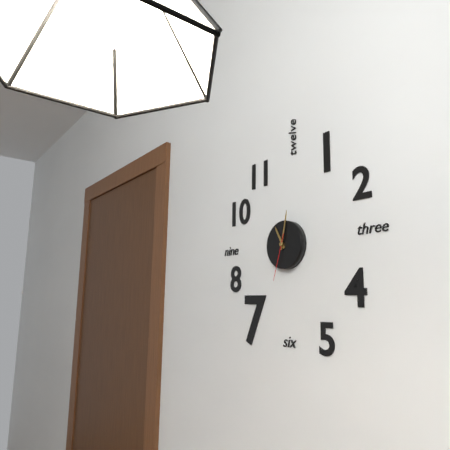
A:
11:02
